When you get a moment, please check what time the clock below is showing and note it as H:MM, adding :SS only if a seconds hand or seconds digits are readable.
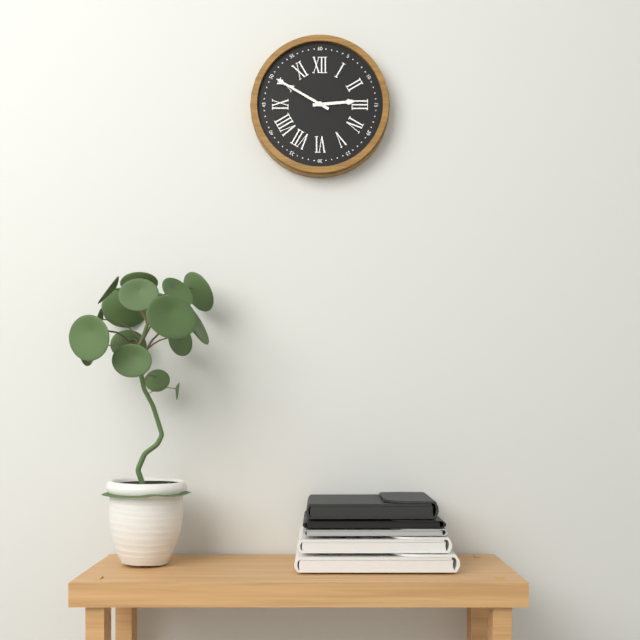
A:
2:50
